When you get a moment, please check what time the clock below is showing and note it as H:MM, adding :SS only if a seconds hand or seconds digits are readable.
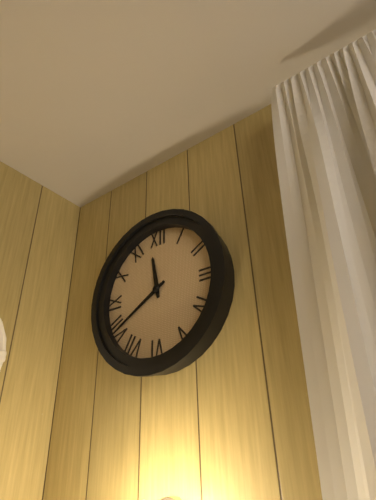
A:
11:40
